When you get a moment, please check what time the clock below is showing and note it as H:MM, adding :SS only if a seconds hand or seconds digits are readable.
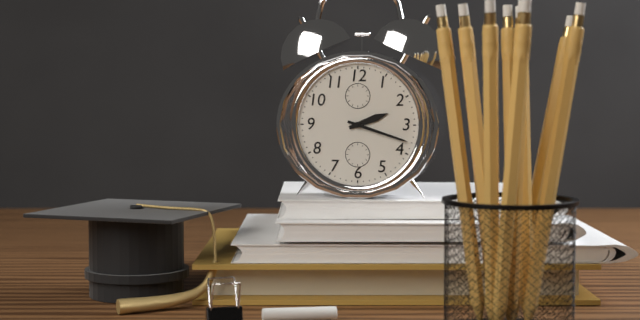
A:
2:18
